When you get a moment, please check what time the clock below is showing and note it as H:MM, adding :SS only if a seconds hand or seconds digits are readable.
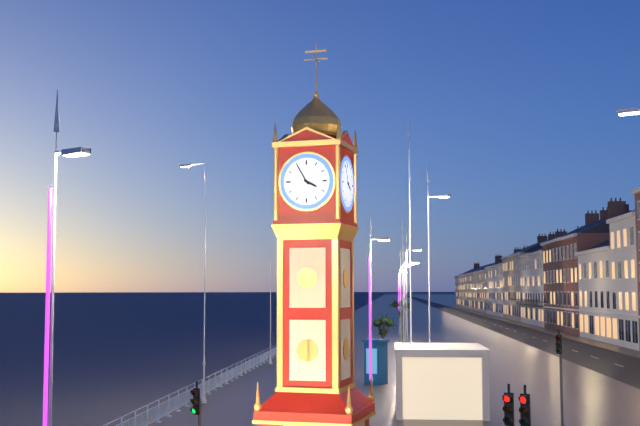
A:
3:55
